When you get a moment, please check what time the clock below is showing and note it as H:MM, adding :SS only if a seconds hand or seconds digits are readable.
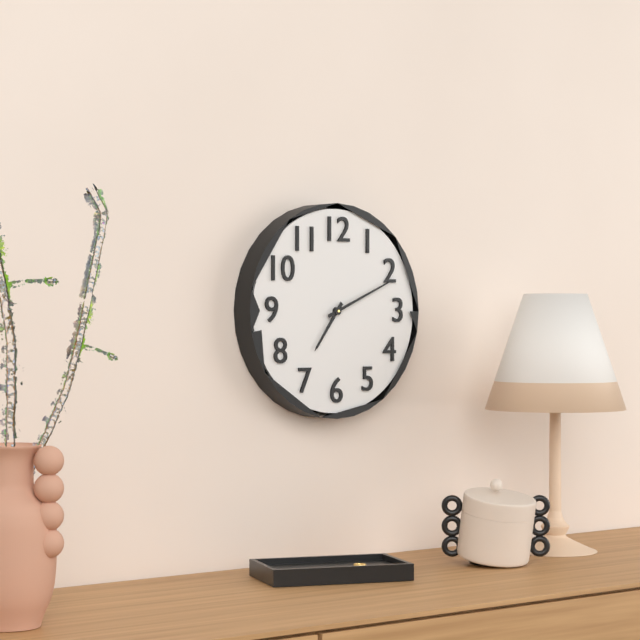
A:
7:11
